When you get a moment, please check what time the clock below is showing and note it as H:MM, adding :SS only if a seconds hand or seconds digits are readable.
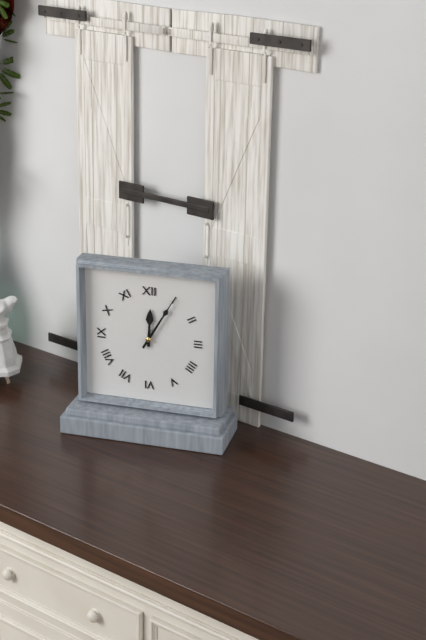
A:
12:05
